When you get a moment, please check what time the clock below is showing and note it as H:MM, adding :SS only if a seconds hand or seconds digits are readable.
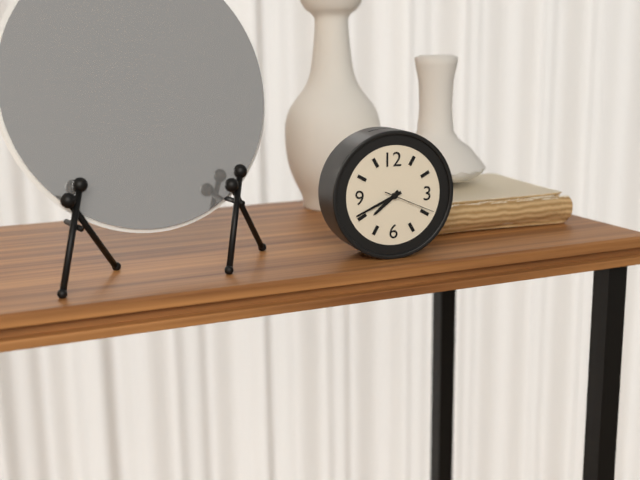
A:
7:41:19
